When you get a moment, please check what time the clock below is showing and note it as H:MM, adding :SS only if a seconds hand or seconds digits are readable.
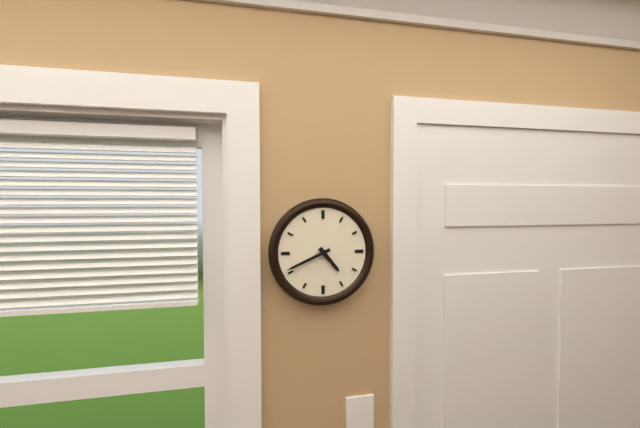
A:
4:41
